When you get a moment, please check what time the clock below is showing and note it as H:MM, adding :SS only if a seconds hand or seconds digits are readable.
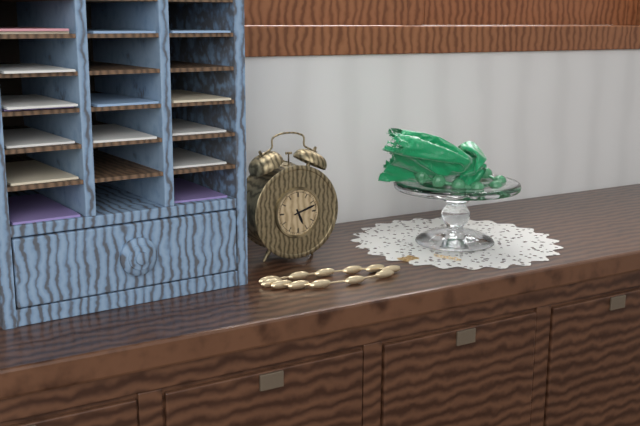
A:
5:12
